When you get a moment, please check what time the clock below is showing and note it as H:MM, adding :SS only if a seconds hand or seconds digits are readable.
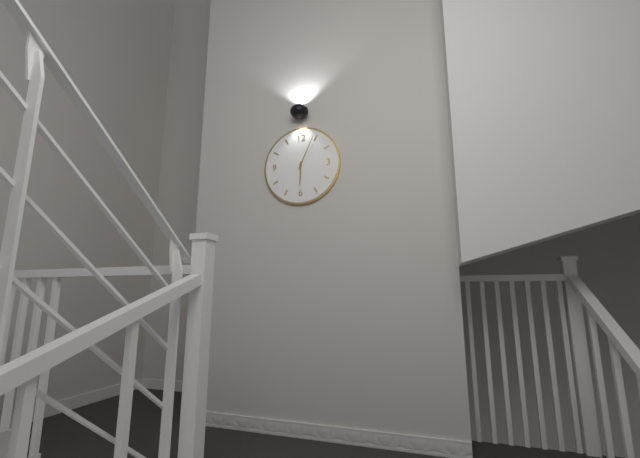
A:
6:04
